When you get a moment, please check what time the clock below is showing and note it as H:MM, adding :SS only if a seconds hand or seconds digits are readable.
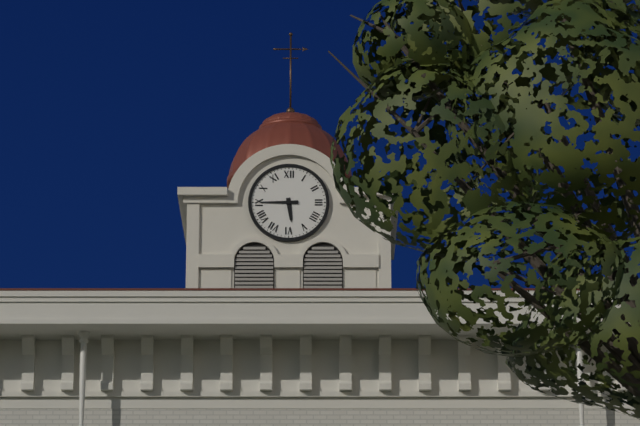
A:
5:45
